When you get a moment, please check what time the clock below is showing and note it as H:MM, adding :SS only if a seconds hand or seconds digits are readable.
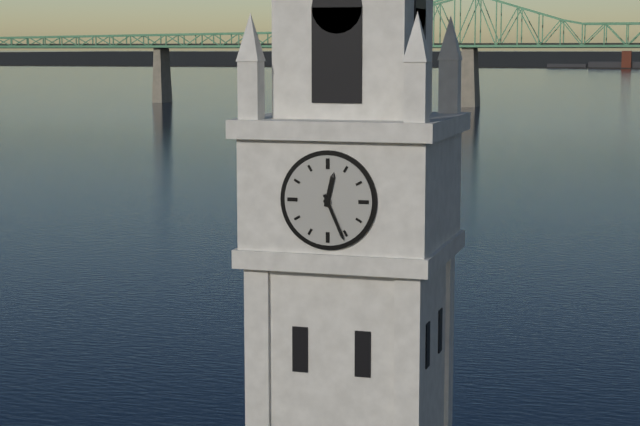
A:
12:26
